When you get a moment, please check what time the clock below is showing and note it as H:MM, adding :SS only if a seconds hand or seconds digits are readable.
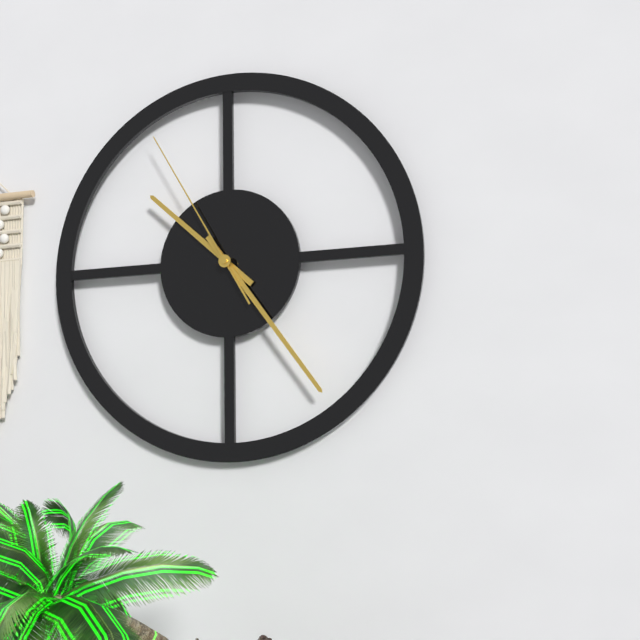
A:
10:24:55
